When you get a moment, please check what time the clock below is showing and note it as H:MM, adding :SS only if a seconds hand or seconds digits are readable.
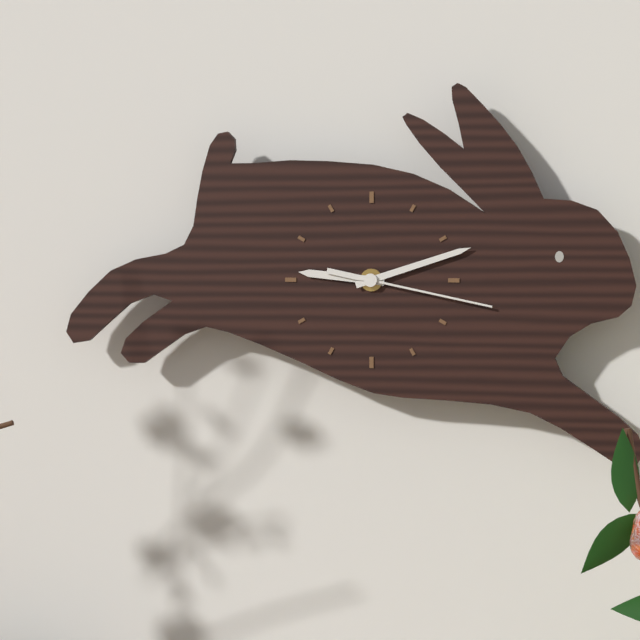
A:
9:12:17
